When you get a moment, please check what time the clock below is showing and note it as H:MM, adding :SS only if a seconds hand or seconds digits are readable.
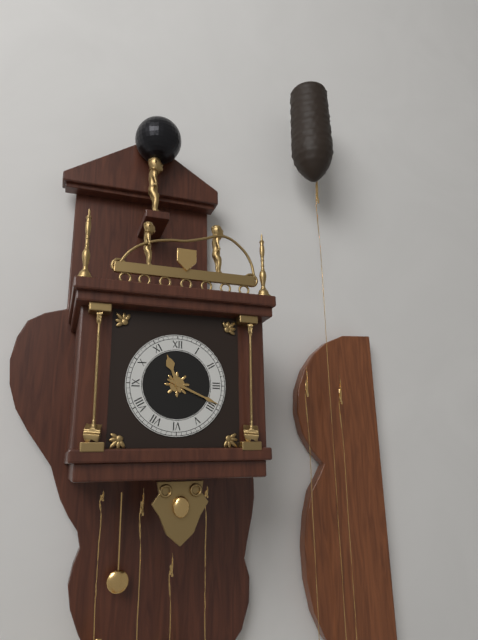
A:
11:19
